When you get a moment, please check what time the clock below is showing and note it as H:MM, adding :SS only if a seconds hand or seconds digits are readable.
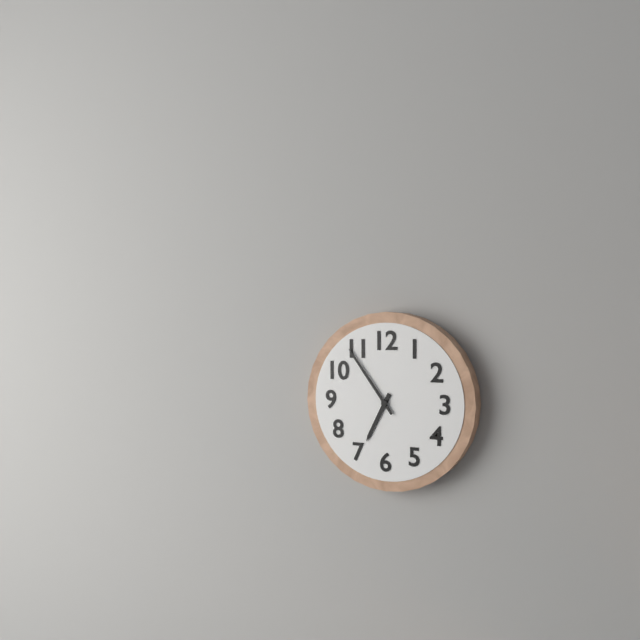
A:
6:54
